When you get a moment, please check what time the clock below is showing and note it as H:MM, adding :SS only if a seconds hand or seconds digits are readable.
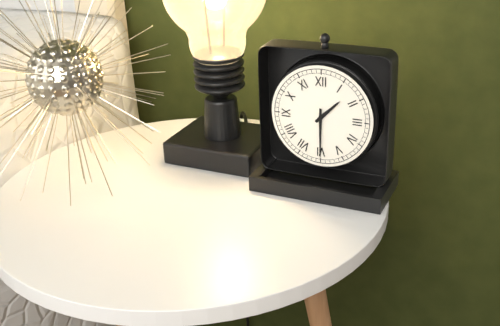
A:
1:30
